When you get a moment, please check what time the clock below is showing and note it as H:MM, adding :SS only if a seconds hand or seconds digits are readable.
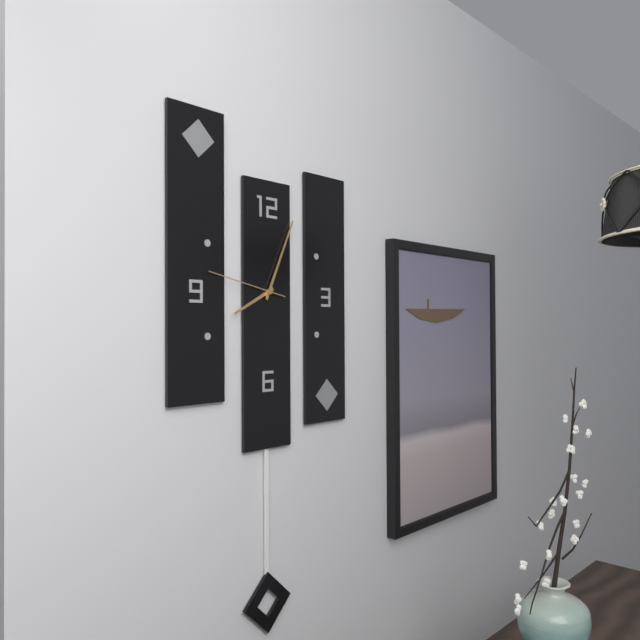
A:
8:04:47
